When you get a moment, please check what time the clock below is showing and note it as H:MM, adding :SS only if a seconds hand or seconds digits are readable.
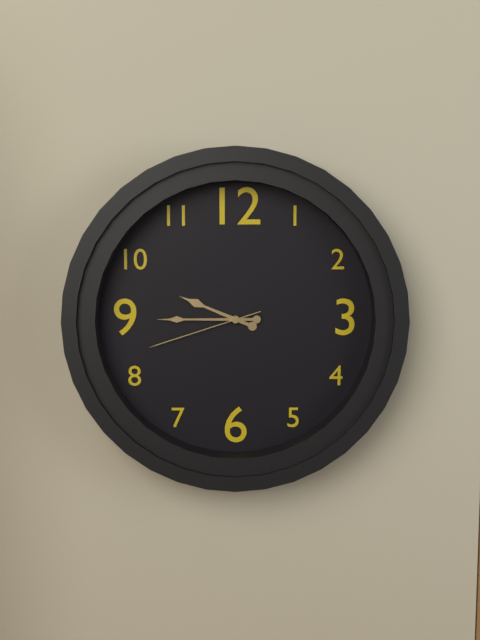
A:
9:45:42
